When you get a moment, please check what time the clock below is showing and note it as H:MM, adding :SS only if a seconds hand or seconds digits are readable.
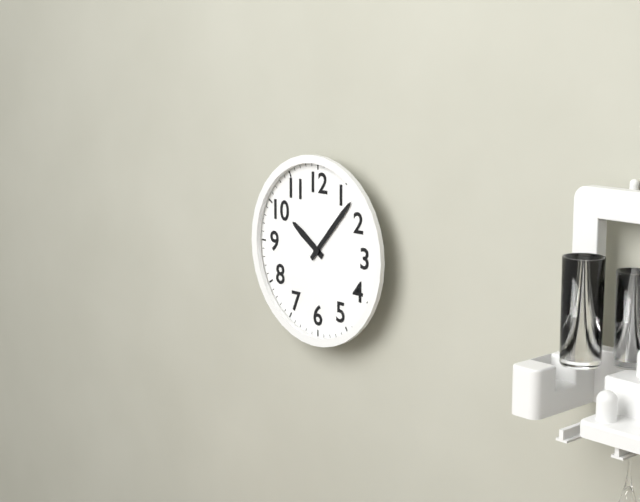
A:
10:07
